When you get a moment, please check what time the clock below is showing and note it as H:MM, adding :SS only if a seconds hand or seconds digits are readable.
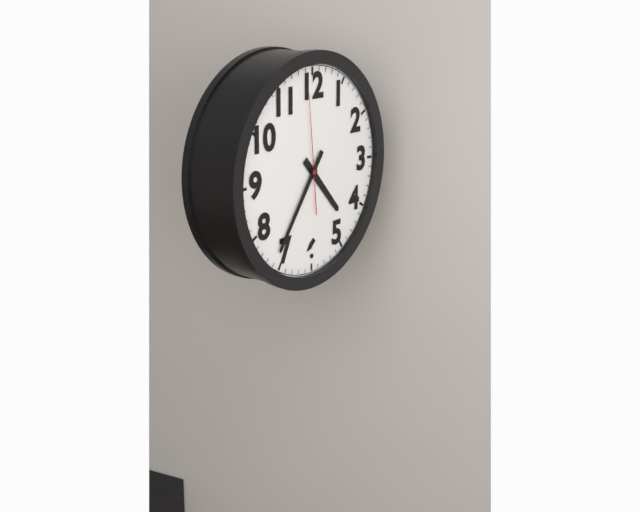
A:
4:36:59
